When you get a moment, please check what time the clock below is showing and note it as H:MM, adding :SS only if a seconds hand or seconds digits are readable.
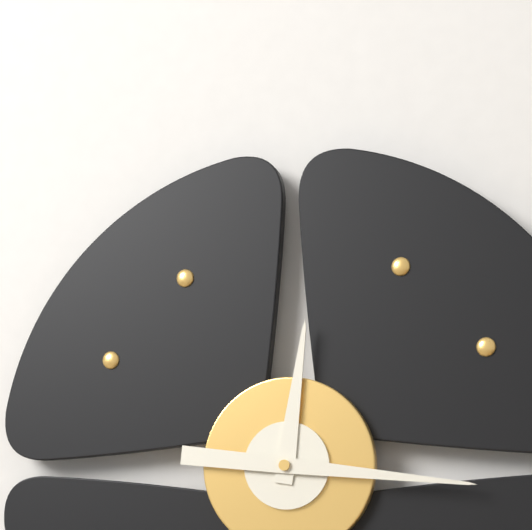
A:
12:16
